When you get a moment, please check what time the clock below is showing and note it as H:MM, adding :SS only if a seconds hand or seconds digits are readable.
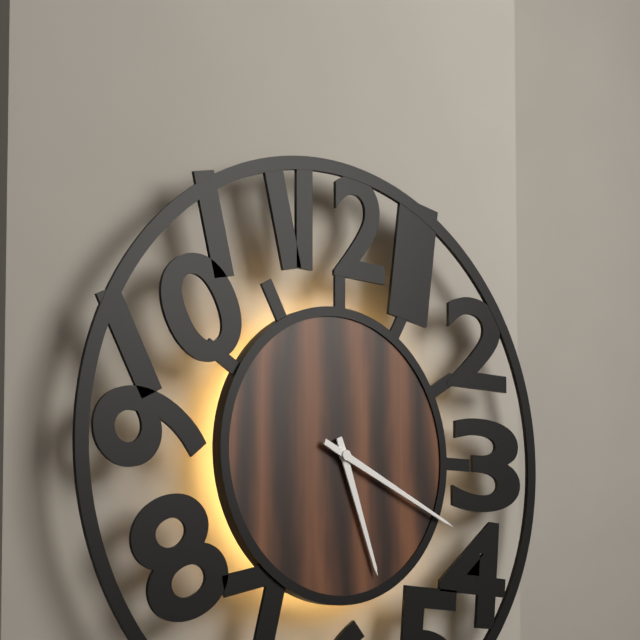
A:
5:19
